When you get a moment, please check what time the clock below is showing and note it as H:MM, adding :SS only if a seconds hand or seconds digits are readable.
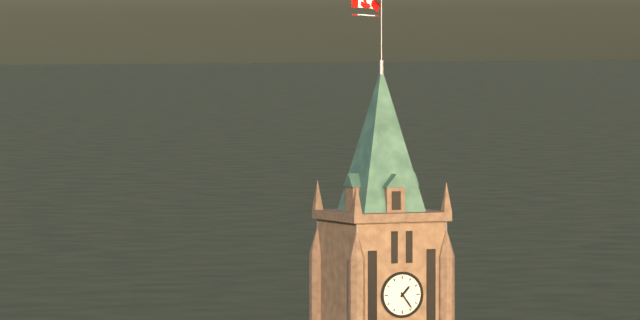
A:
1:24
